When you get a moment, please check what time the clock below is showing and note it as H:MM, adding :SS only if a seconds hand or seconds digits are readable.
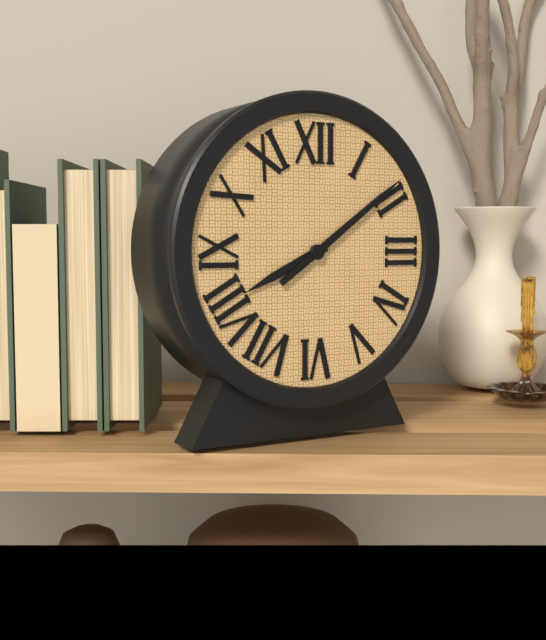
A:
8:09
